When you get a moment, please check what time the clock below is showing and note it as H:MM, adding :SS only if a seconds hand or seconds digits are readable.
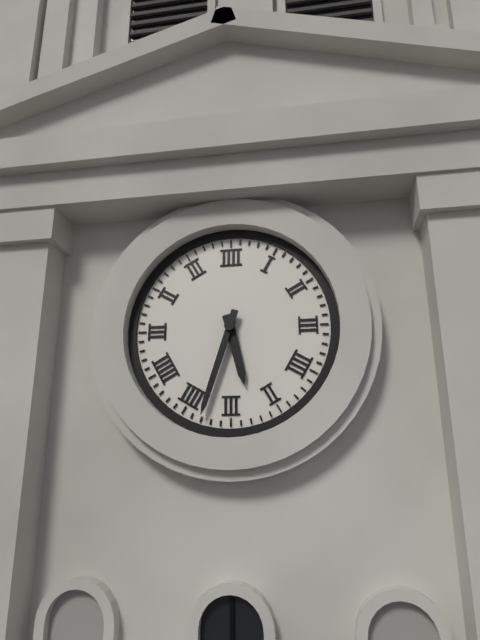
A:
5:33
